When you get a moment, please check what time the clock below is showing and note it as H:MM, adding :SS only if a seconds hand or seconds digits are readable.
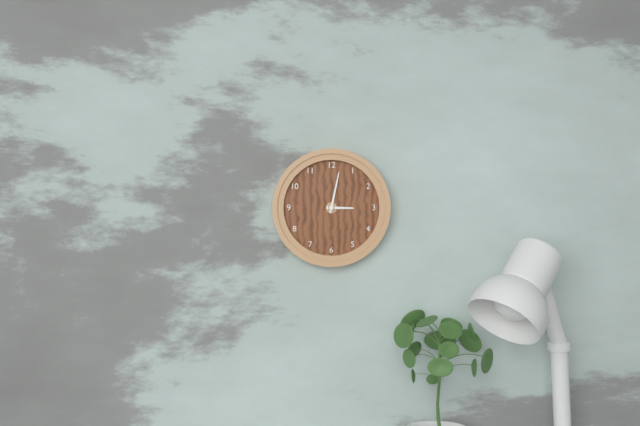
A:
3:02
